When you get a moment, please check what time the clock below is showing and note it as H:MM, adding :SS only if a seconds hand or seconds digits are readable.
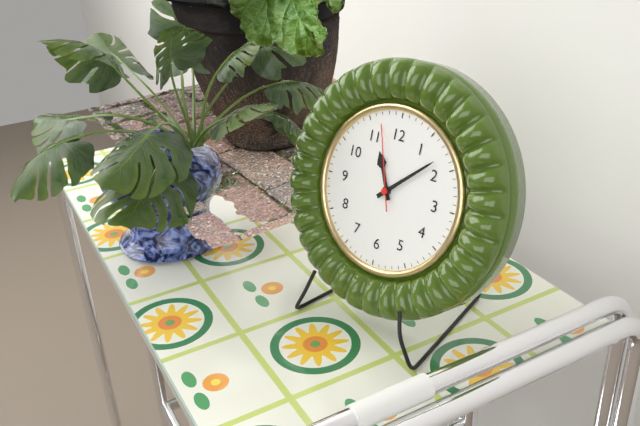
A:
11:08:57
